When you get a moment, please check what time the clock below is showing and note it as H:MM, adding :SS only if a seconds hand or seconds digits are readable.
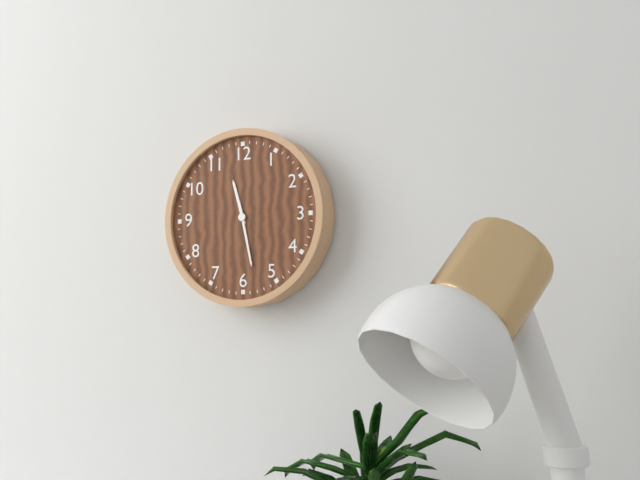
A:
11:28
